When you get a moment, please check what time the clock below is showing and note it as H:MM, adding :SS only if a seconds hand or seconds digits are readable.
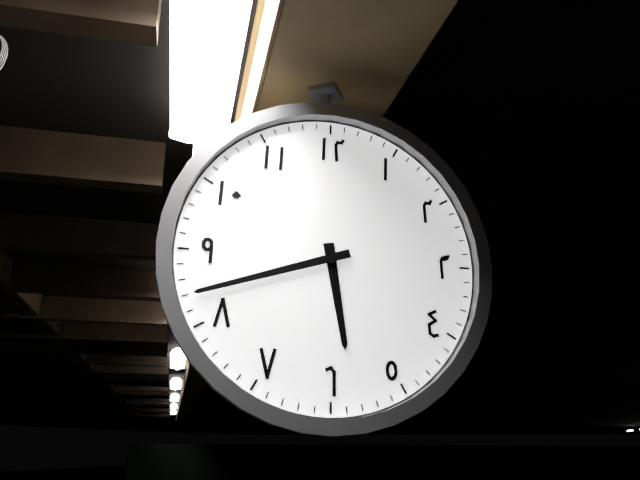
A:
5:42
